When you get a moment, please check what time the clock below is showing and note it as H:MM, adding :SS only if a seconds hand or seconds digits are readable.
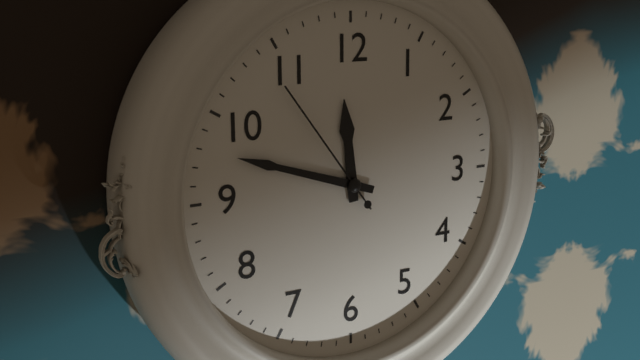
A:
11:48:54
